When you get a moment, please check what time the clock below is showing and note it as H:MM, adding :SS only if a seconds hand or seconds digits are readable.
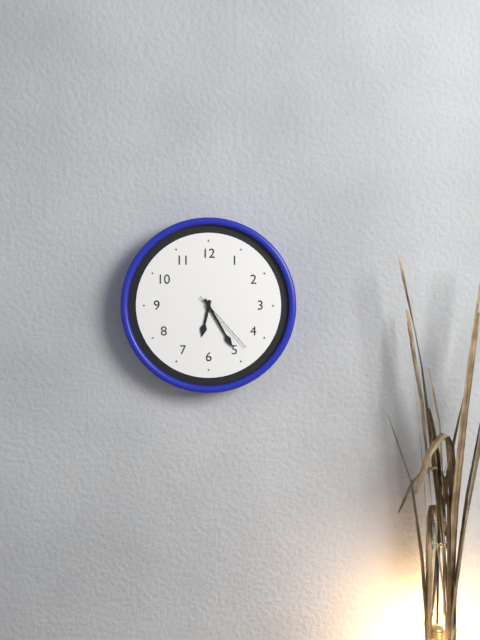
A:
6:25:23
